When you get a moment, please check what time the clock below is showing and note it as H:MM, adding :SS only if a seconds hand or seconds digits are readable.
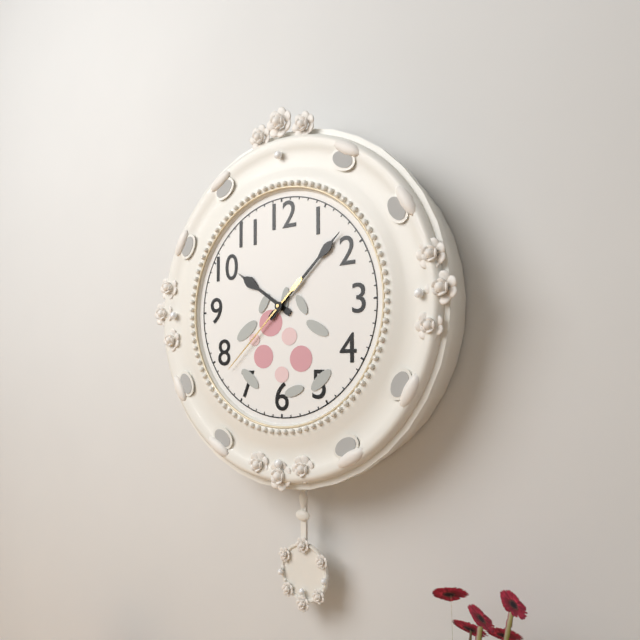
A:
10:08:38
